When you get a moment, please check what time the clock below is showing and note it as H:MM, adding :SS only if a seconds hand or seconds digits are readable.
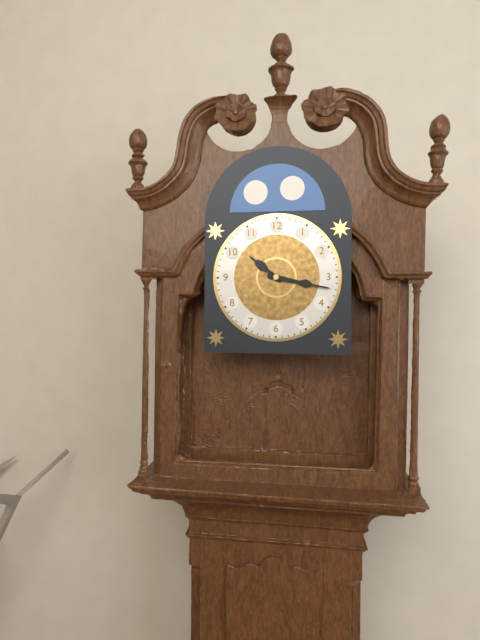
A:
10:17
